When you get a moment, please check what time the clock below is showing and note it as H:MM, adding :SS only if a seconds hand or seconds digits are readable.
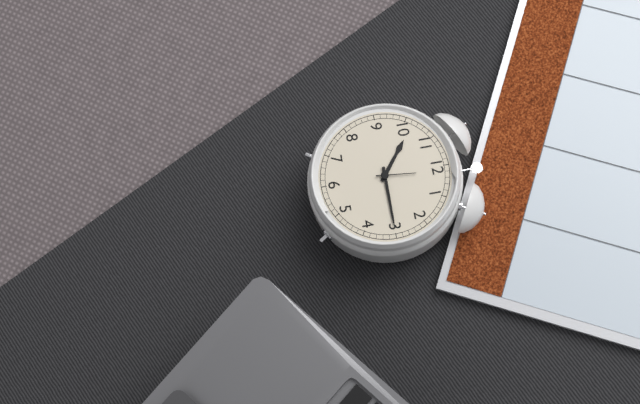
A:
10:15
